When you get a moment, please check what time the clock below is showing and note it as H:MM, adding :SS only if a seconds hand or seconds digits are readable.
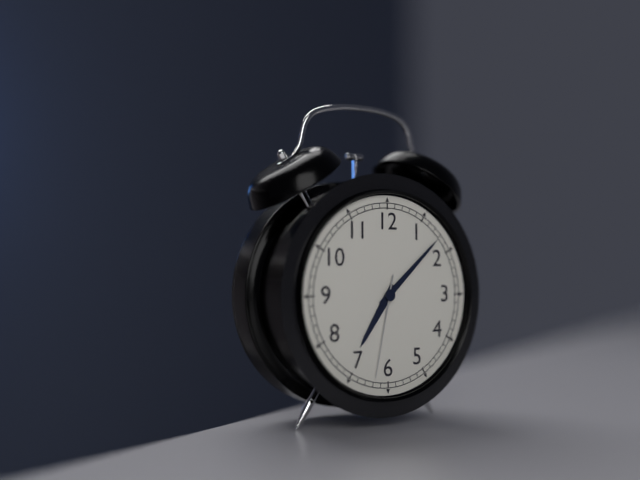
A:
7:08:32
